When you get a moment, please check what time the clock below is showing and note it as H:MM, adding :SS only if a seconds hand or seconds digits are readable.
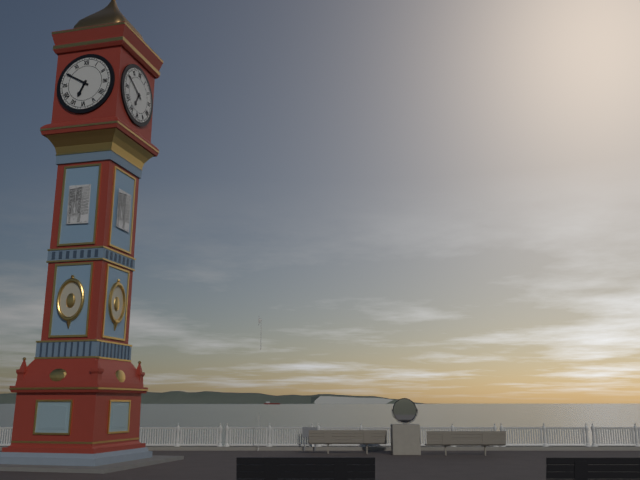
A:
6:50
